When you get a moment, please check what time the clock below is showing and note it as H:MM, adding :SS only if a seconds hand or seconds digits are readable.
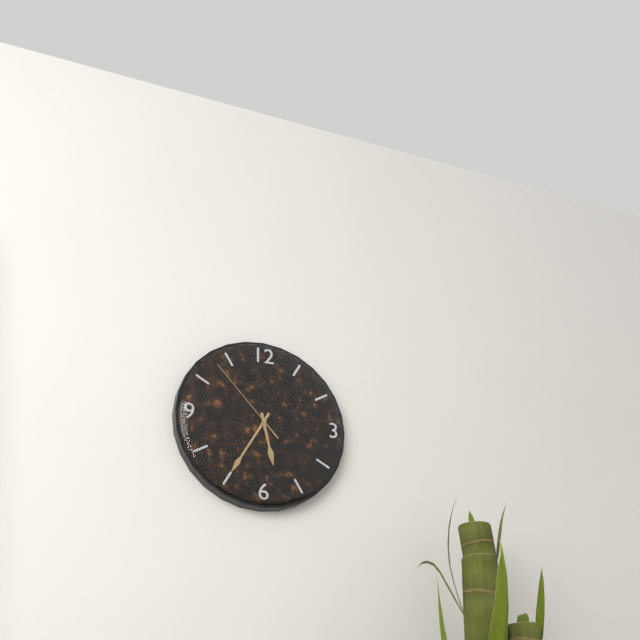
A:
5:35:53
